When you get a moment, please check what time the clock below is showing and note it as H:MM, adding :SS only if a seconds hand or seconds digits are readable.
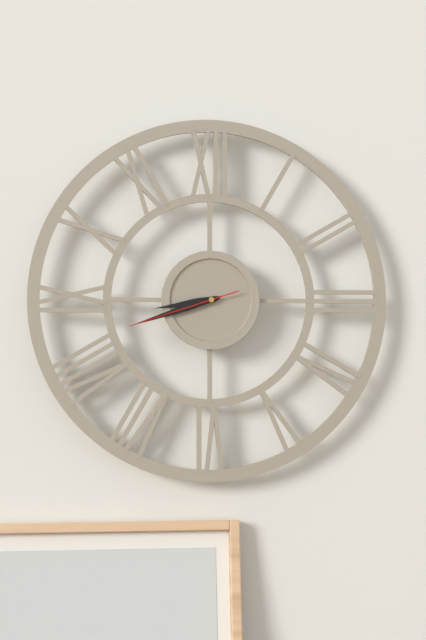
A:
8:42:42
